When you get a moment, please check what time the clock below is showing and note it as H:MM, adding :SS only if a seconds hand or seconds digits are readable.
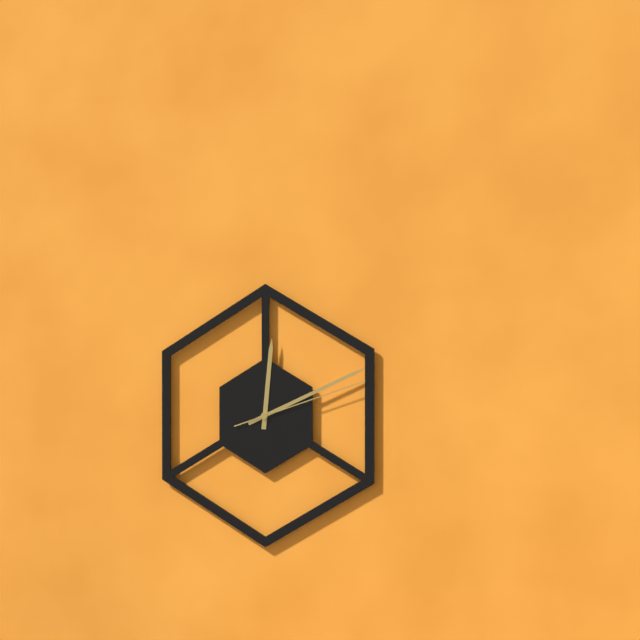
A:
12:11:12
